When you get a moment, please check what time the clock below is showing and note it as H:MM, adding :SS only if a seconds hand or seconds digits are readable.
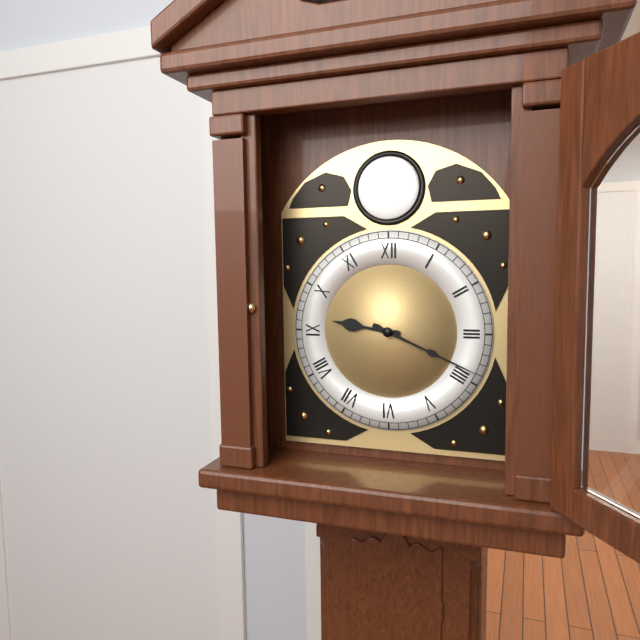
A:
9:19
